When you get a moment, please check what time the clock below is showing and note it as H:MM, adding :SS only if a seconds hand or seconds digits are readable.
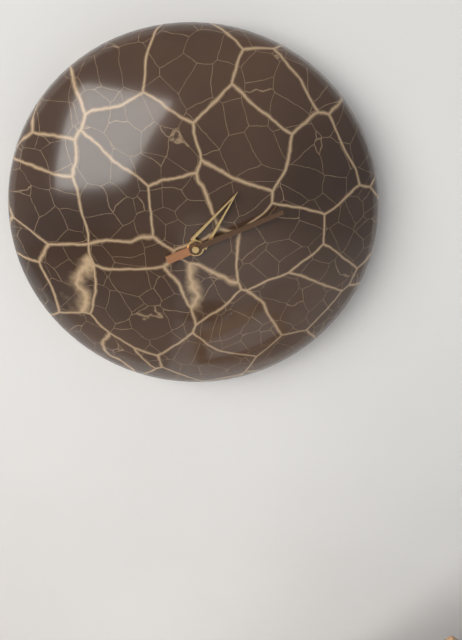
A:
1:11
